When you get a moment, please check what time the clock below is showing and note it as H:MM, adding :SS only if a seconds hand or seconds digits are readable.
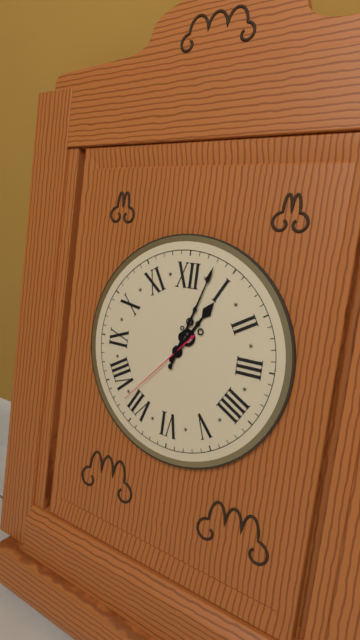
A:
1:03:37
